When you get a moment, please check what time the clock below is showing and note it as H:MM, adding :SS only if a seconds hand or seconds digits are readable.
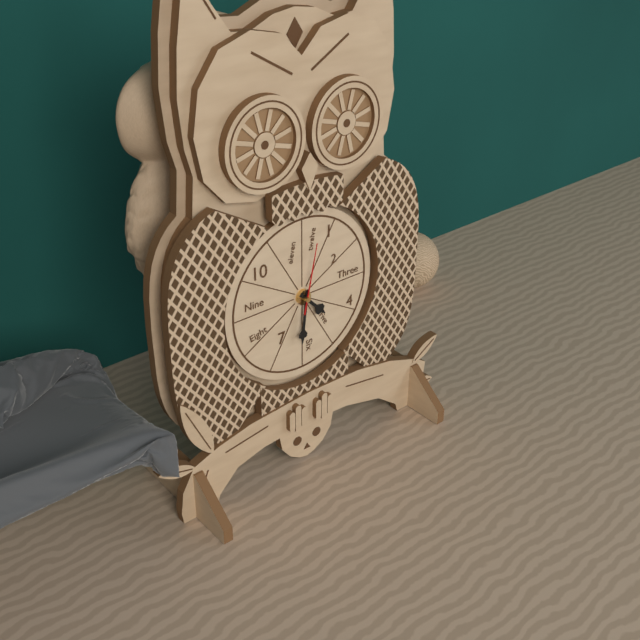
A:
4:31:02
